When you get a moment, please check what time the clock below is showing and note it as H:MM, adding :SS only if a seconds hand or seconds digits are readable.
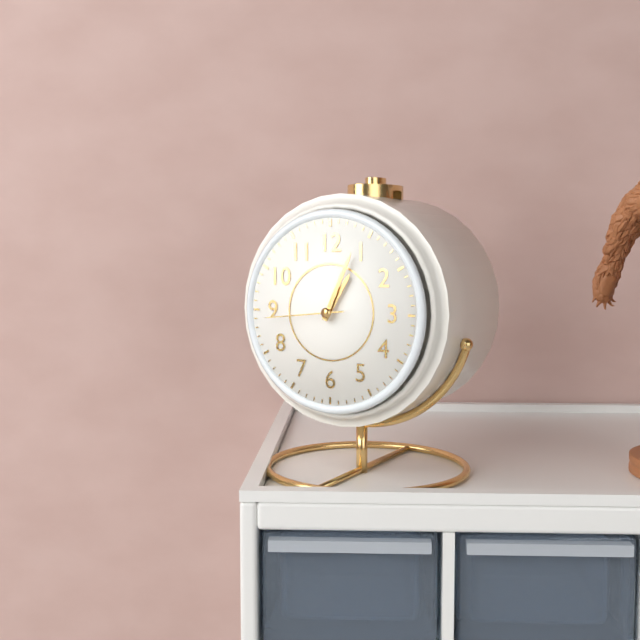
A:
1:04:44
